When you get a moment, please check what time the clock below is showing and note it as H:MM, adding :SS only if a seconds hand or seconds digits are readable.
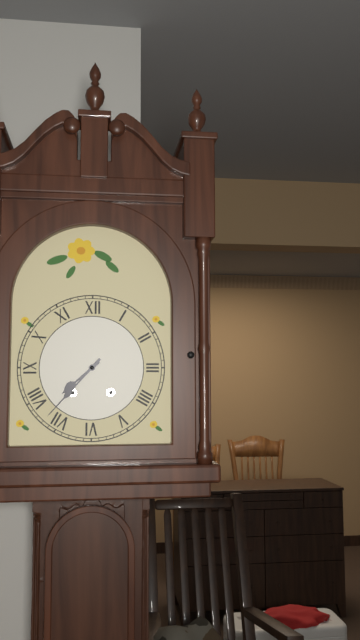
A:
7:37
